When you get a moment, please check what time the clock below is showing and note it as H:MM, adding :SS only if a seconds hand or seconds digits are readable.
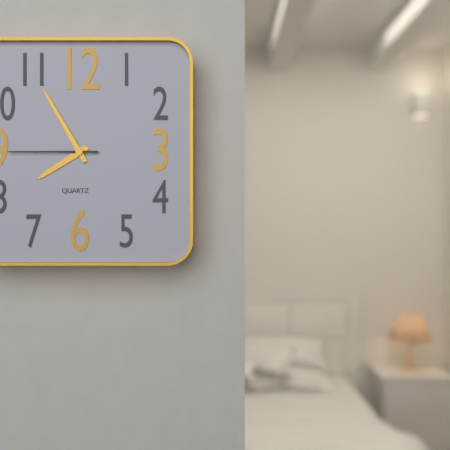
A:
7:55:45
